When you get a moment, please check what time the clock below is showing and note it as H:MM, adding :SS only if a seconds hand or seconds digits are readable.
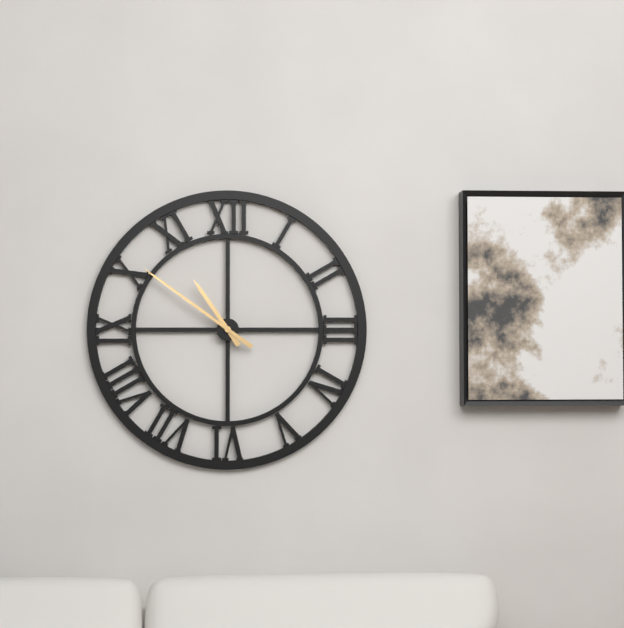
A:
10:51
